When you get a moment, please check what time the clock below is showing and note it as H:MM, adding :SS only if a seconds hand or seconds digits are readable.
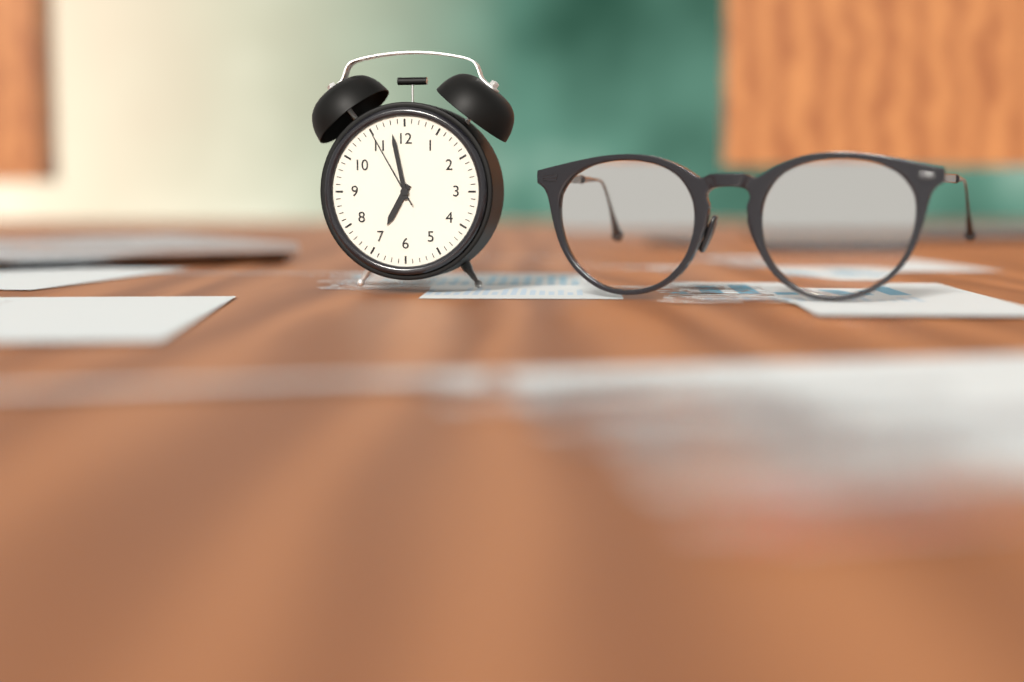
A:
6:58:55
